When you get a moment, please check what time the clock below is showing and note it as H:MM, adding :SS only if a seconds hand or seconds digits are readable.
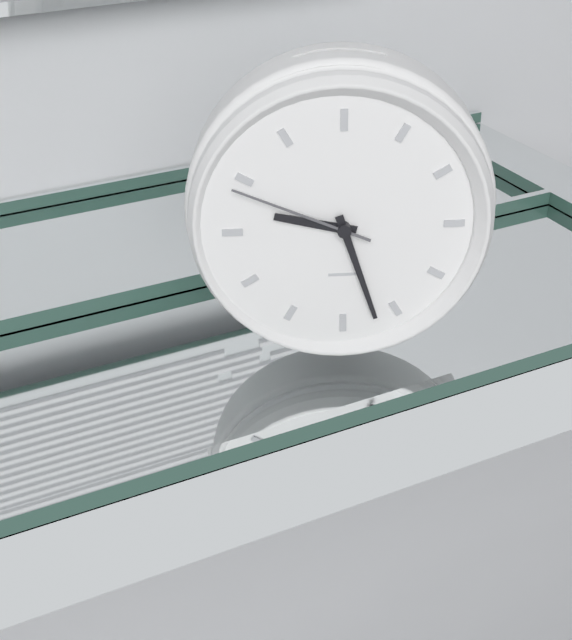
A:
9:27:49
